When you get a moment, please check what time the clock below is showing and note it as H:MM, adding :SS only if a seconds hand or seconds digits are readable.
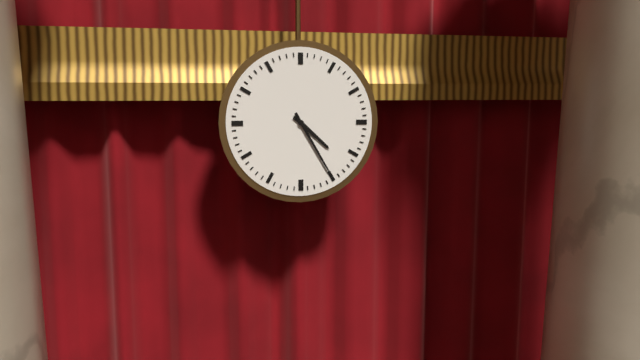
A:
4:25
